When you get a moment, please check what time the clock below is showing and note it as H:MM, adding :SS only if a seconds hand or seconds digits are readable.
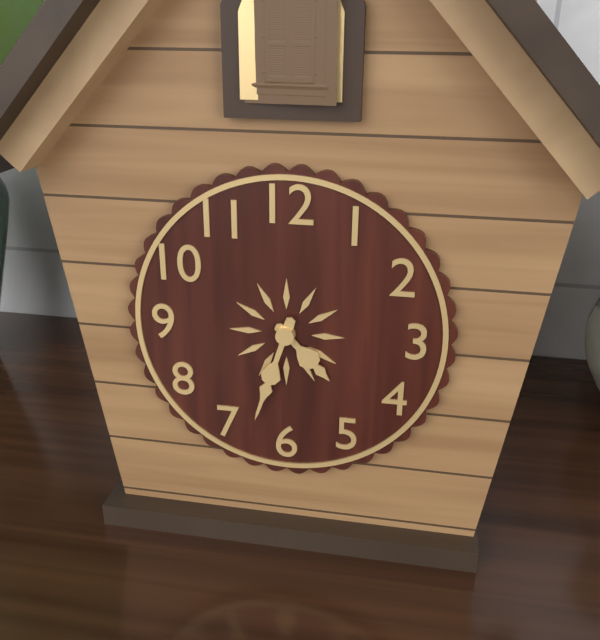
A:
4:33
